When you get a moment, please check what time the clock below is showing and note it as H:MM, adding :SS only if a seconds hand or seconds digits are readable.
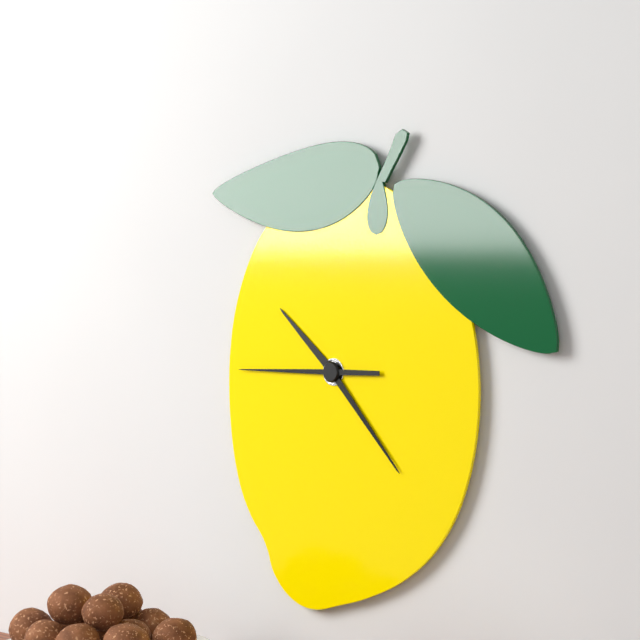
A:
10:23:45
